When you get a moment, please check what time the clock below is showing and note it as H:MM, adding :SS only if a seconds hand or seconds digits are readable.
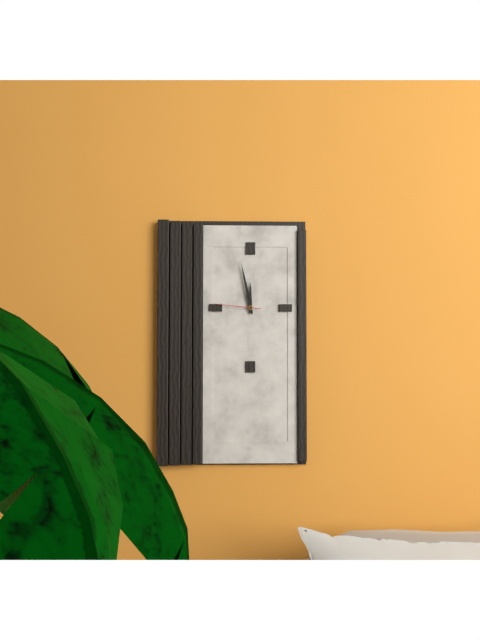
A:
11:58
